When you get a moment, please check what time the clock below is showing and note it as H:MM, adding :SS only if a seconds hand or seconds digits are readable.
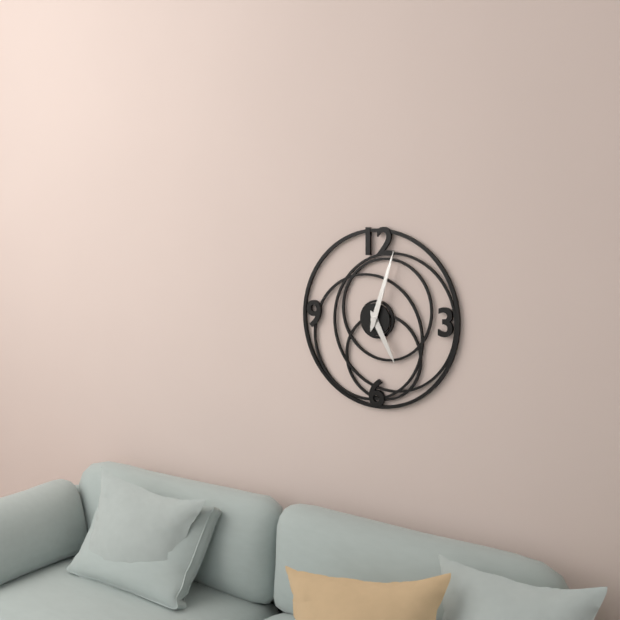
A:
5:03
